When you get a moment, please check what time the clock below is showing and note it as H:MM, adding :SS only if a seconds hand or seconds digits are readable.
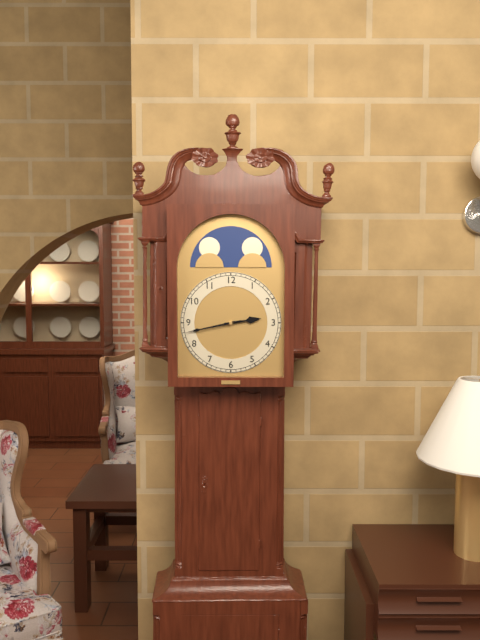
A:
2:43
